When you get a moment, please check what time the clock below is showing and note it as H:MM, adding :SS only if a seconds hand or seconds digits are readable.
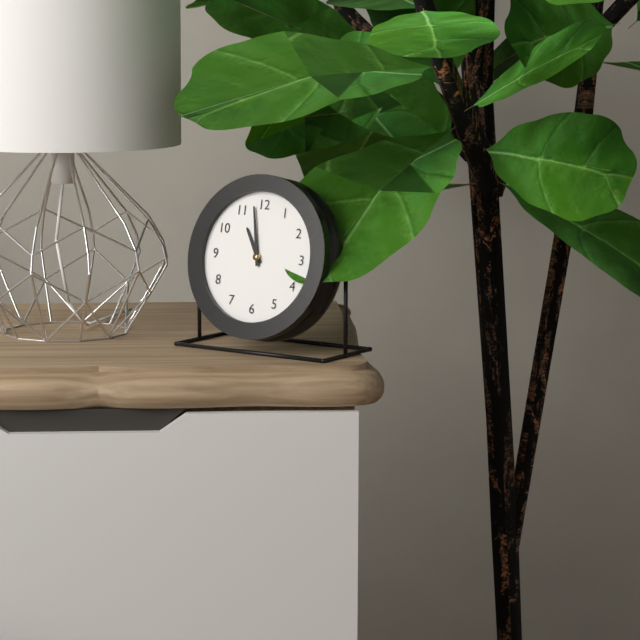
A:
10:58
